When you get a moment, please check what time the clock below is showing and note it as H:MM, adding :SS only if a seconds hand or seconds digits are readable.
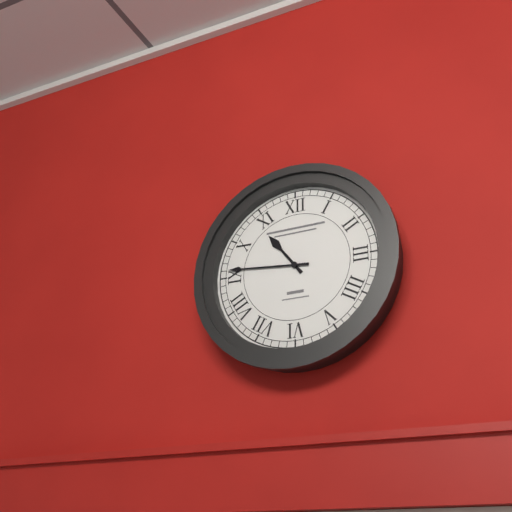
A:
10:46
